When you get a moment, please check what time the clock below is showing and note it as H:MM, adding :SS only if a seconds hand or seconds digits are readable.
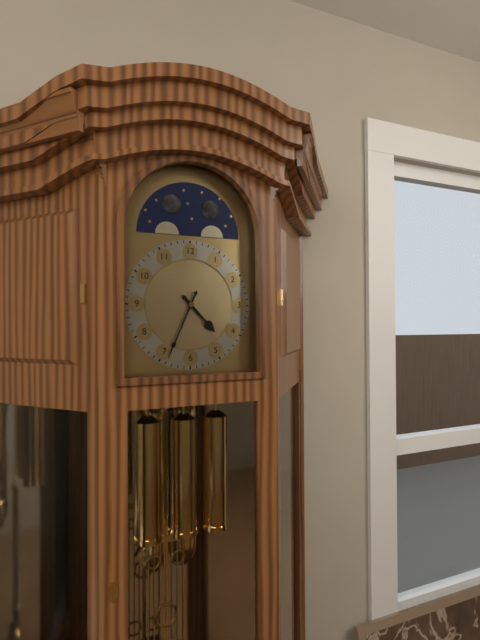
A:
4:34
